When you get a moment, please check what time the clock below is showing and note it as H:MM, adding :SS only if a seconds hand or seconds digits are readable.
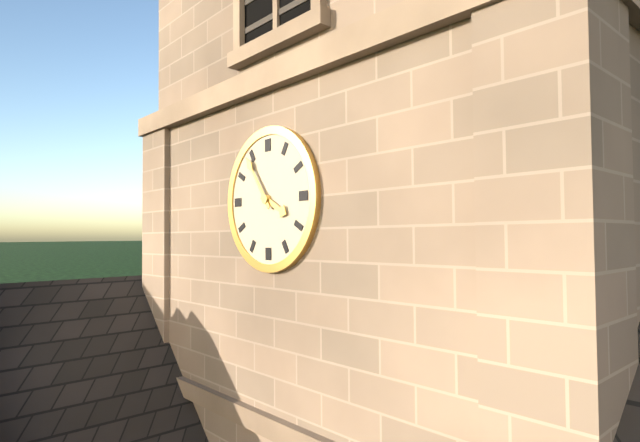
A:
3:54
